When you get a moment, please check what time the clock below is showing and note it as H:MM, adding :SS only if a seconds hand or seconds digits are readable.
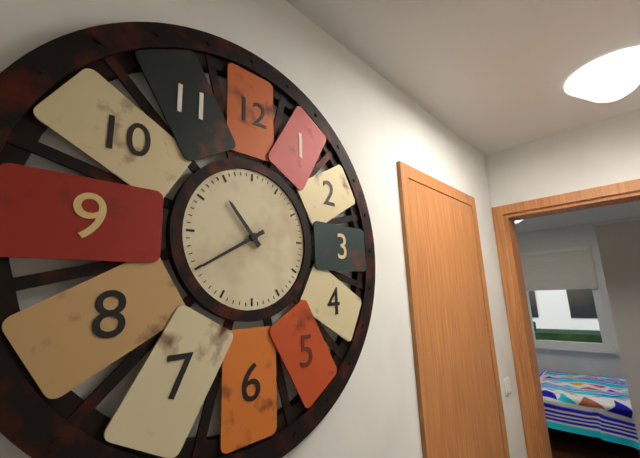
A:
10:40
